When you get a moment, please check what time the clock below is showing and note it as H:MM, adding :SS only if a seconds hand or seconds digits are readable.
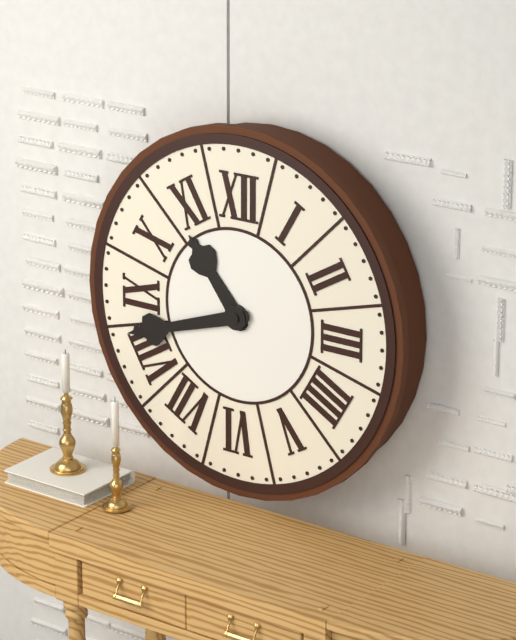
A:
10:42
